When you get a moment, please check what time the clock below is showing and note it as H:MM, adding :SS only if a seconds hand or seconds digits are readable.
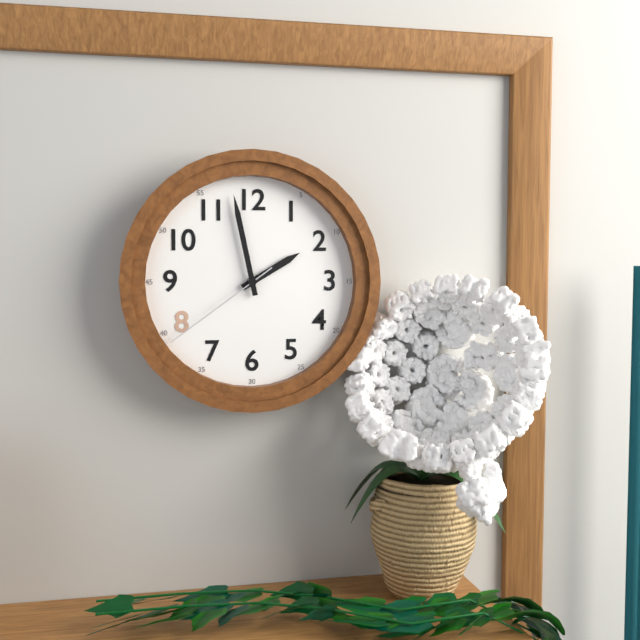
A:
1:58:39
